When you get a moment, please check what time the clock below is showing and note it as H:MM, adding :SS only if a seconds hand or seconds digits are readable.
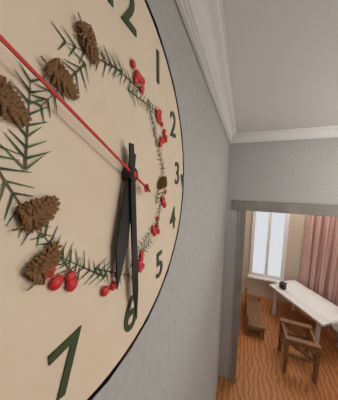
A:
6:30
